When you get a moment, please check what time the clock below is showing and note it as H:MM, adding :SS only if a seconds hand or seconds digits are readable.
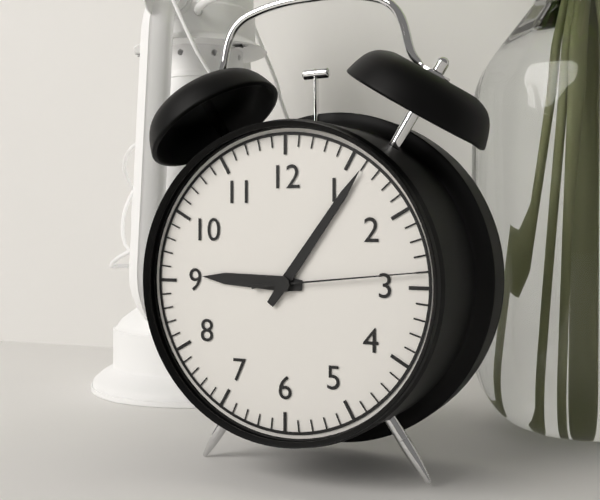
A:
9:06:14
